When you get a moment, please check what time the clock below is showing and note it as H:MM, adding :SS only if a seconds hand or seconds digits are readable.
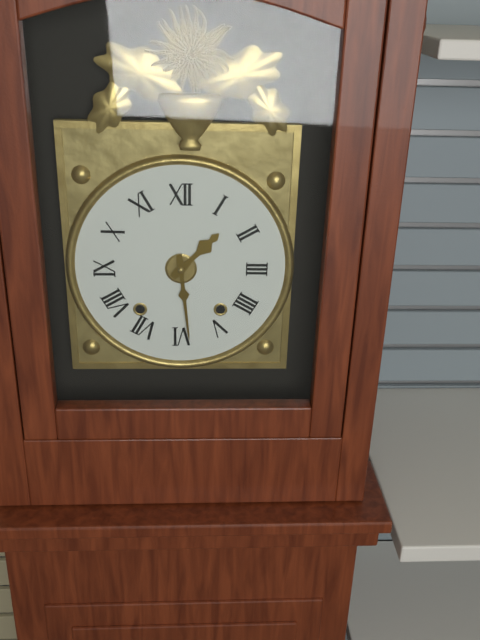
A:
1:29
